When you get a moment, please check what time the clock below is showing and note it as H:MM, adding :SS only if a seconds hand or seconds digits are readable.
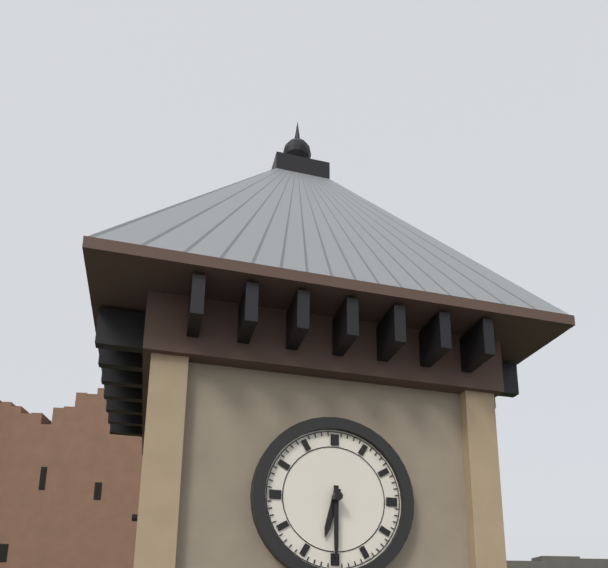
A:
6:30
